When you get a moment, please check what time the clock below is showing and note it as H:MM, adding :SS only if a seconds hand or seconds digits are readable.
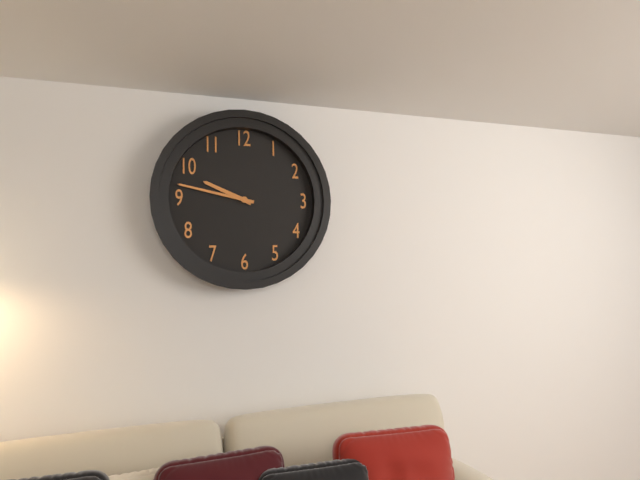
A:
9:47
